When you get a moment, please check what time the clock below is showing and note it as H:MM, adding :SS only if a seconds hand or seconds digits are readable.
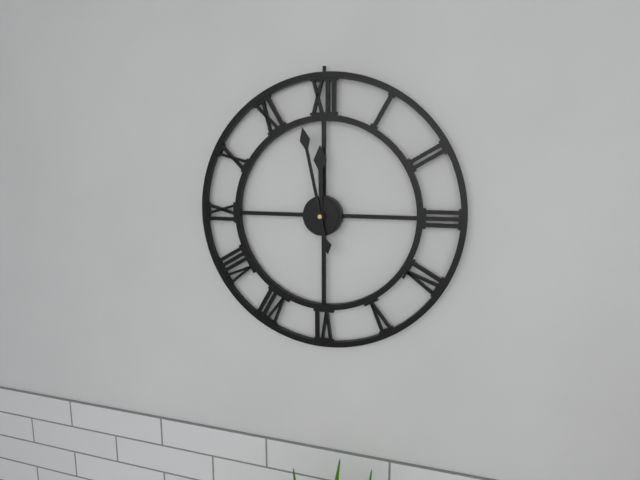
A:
11:58
